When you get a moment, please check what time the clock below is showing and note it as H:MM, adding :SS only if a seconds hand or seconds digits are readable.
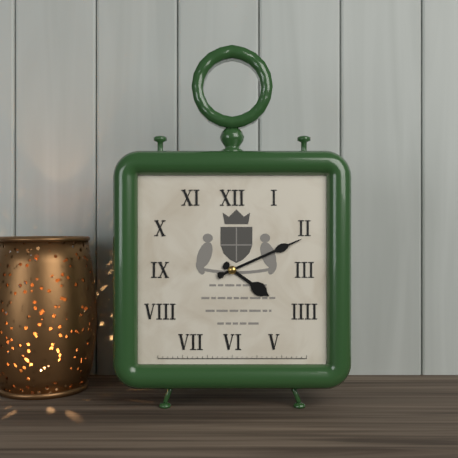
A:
4:11
